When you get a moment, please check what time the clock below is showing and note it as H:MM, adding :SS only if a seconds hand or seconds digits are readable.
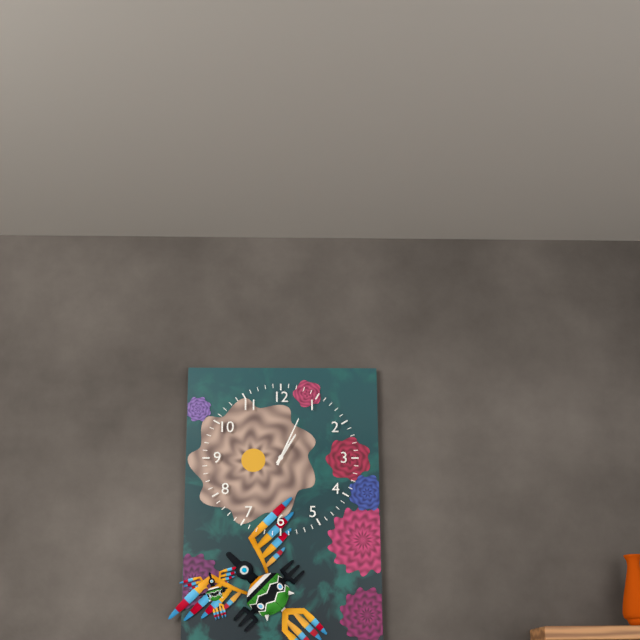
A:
1:04
